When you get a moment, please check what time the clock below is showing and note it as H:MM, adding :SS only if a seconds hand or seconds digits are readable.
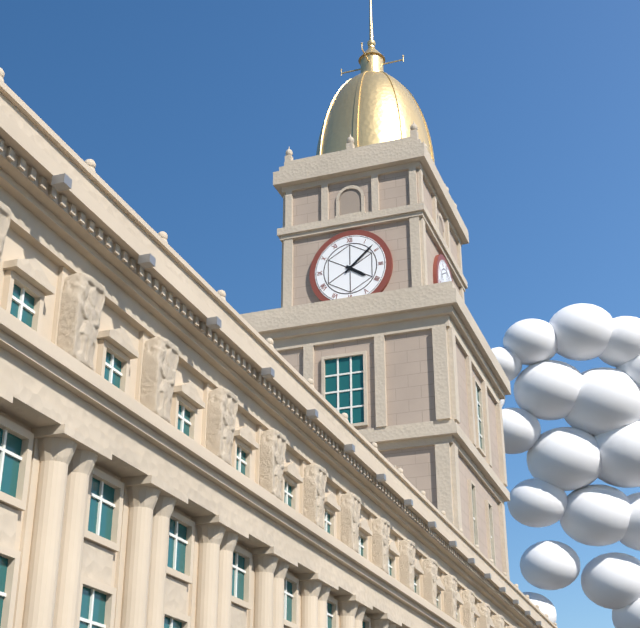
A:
4:08
